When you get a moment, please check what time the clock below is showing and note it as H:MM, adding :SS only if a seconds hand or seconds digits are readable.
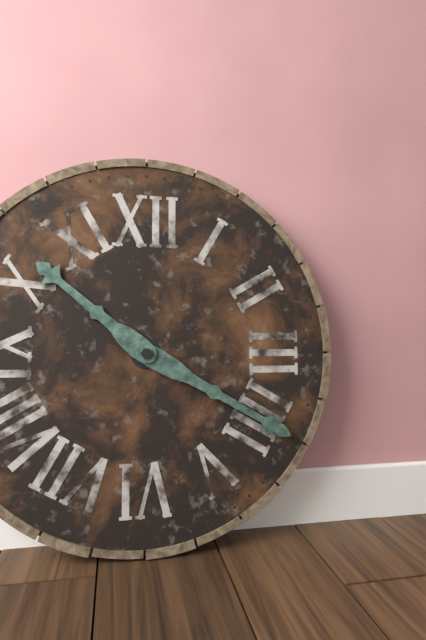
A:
10:20
